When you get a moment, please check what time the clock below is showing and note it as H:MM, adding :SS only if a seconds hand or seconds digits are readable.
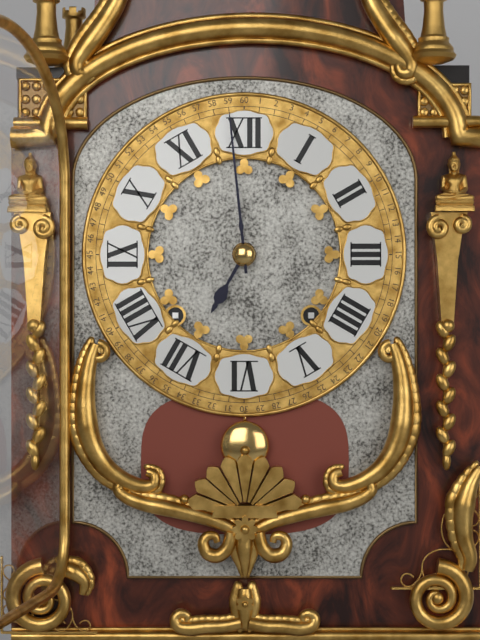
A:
6:59
